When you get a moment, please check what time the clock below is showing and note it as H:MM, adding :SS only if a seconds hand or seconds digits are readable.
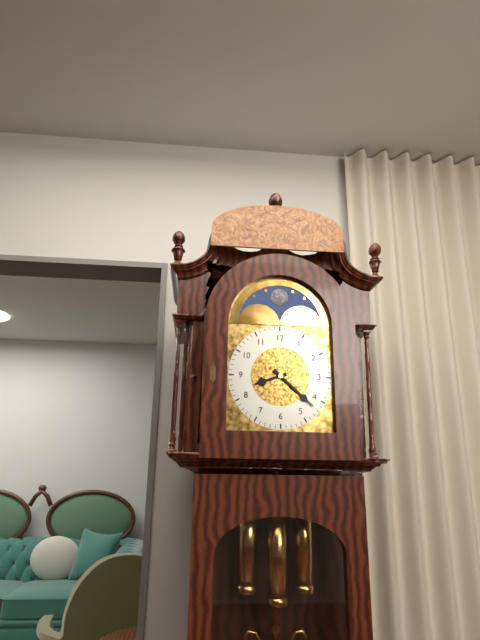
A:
8:22
